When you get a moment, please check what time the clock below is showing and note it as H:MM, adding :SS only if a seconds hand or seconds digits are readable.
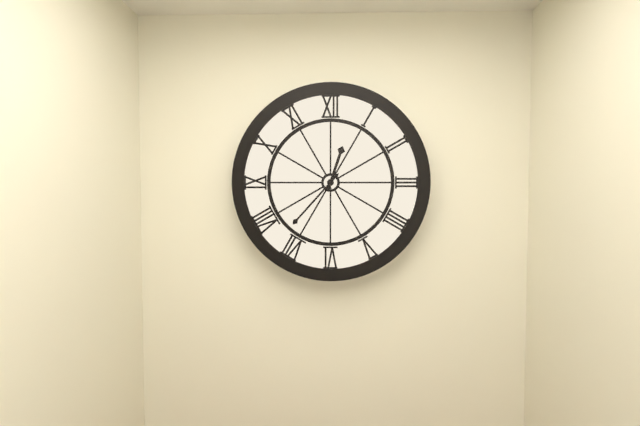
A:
12:37
